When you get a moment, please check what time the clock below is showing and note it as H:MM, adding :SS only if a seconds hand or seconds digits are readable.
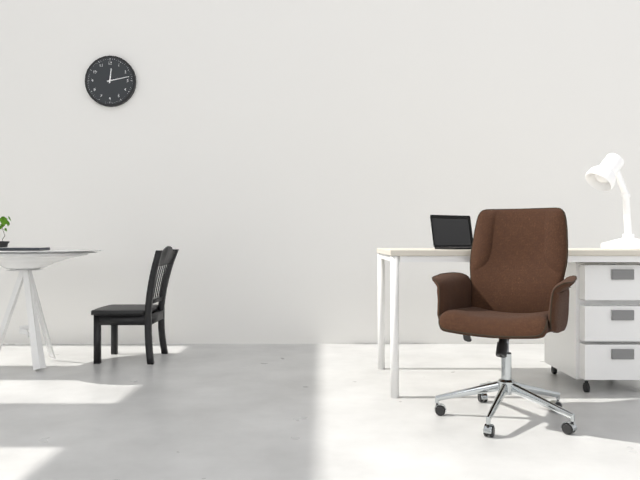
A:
12:13
